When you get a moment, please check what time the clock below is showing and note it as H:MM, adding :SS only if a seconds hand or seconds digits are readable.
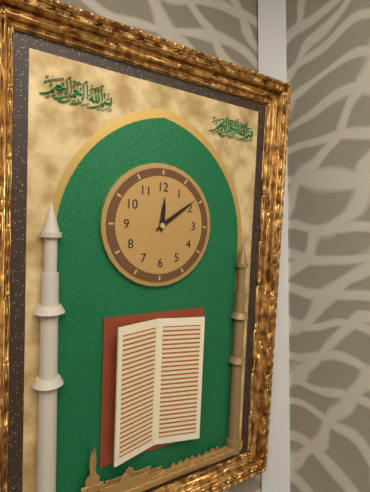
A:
12:09
